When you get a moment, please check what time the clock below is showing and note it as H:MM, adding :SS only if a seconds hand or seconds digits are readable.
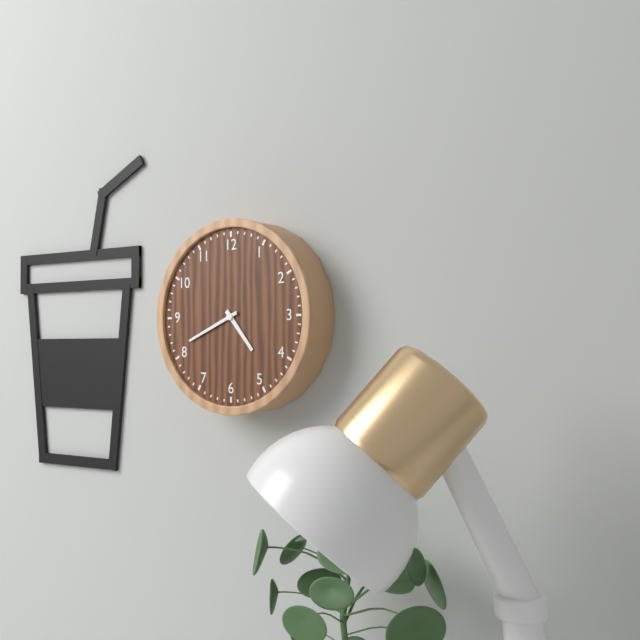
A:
4:41
